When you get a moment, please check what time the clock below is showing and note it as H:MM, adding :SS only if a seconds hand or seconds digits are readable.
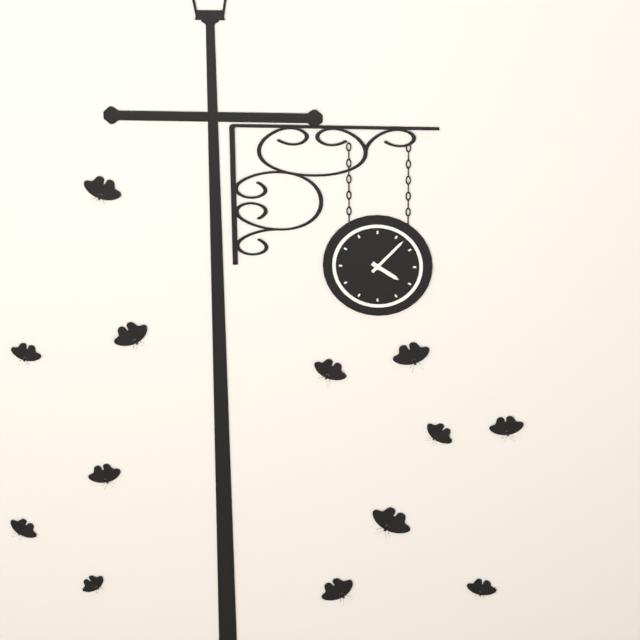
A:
4:07
